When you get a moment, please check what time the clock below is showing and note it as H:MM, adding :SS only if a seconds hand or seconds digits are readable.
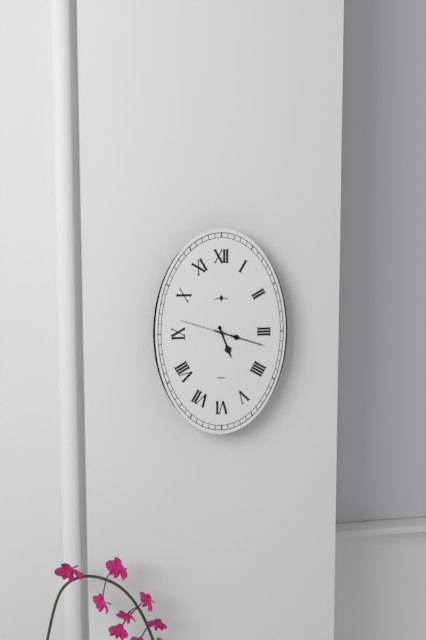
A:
5:18:48
